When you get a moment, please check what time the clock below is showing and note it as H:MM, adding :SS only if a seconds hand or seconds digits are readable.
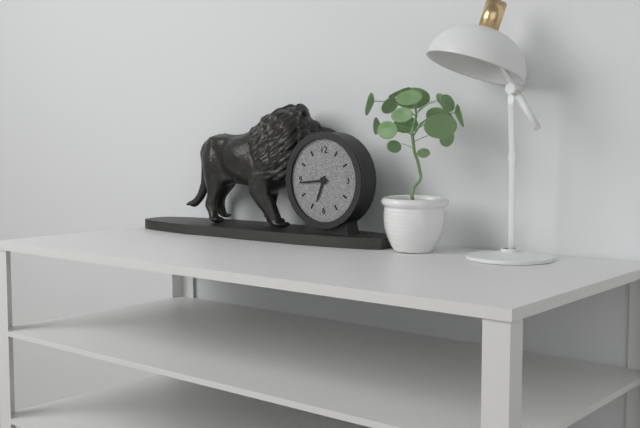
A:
6:44
